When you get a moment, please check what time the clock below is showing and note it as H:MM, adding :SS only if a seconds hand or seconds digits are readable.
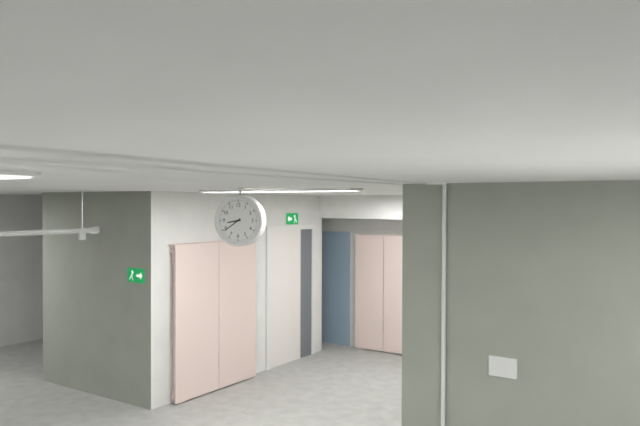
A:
8:39
